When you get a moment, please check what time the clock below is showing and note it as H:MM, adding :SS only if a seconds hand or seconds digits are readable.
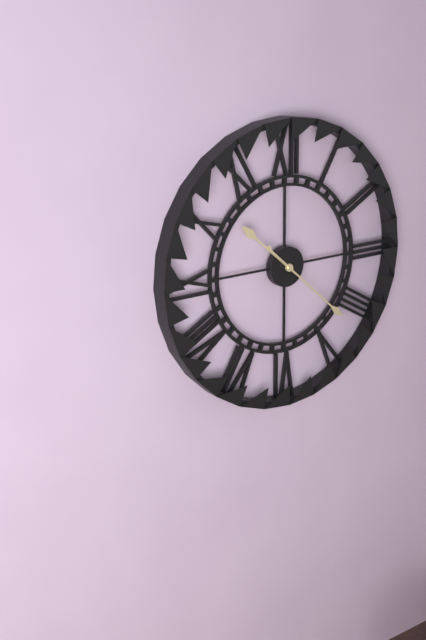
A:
10:22
